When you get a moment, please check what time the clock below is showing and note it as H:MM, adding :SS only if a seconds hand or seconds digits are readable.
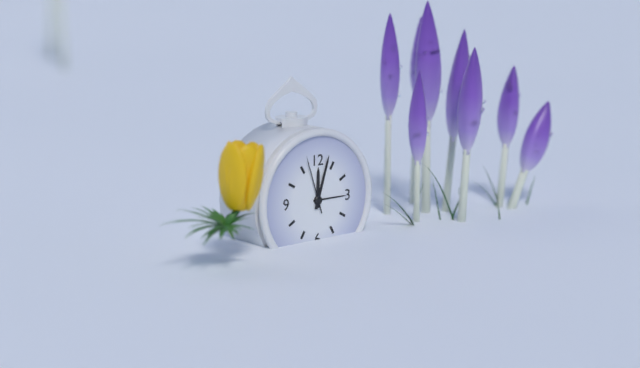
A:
12:03:57
